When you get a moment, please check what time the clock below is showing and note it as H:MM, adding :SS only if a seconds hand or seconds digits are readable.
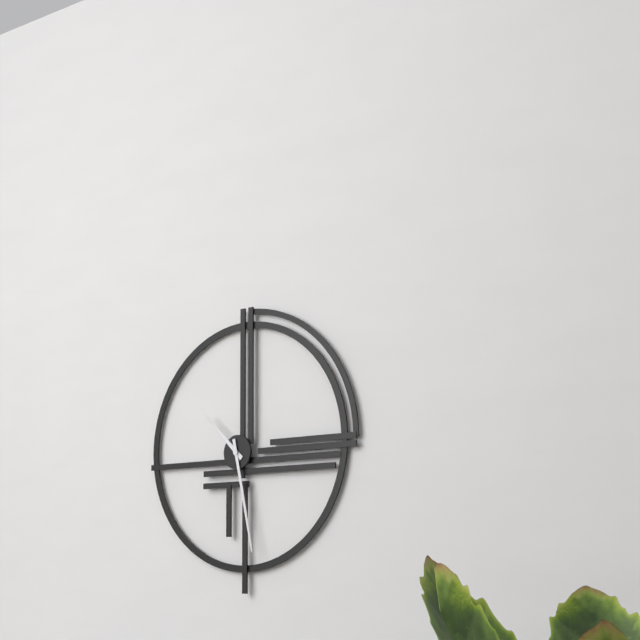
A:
10:28
